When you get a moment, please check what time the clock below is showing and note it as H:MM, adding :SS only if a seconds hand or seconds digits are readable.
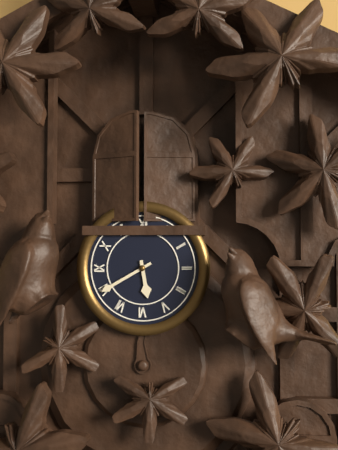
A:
5:40
